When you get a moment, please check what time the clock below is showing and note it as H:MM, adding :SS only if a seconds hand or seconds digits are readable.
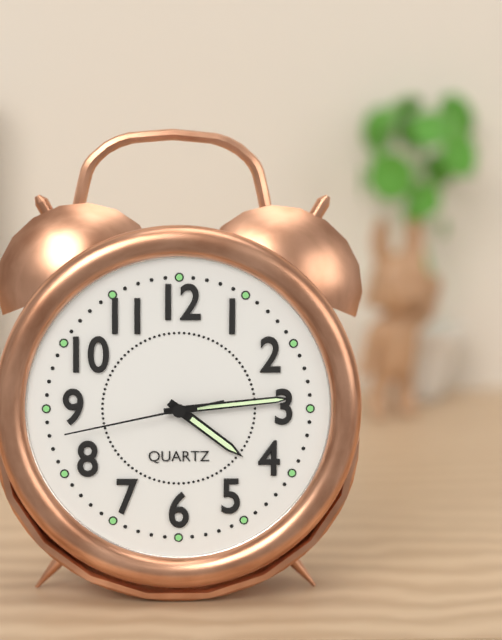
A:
4:14:43
